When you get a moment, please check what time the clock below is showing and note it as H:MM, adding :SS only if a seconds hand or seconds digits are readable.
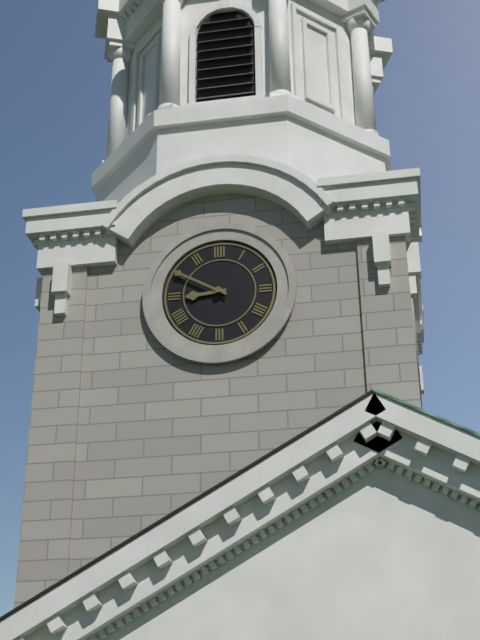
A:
8:50
